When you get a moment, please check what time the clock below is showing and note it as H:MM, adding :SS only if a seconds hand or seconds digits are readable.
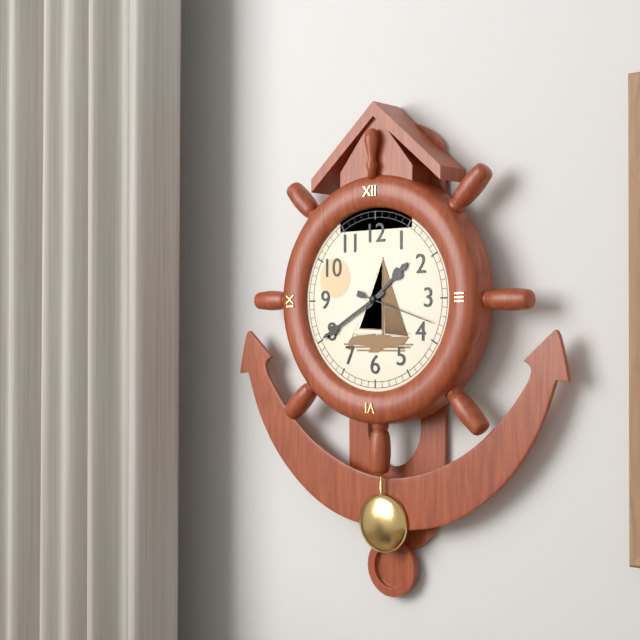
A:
1:40:18
